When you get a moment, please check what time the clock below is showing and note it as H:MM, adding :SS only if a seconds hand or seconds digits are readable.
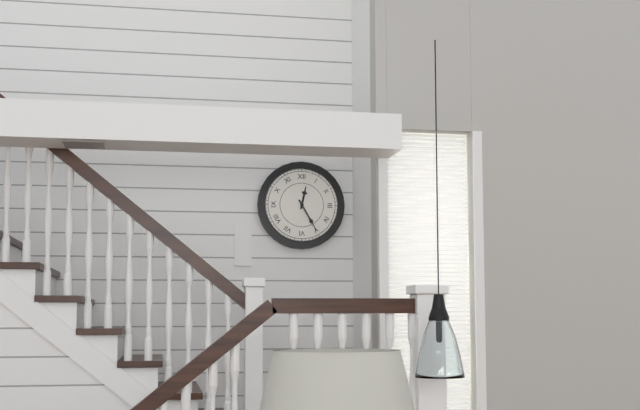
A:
12:25
